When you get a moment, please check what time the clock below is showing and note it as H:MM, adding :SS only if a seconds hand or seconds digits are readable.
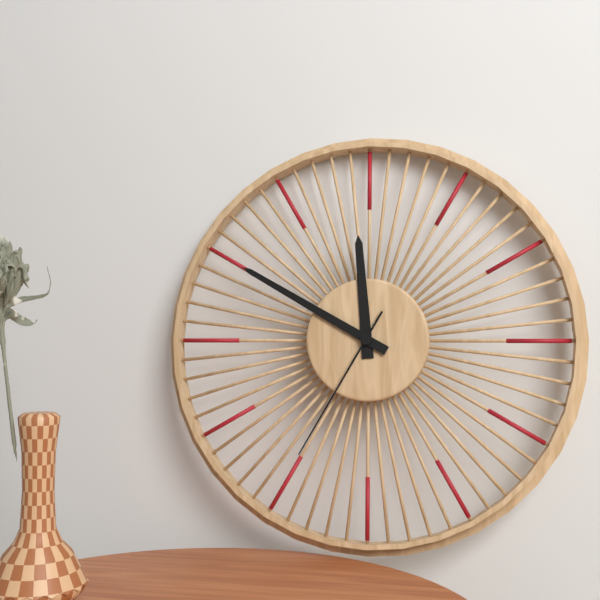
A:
11:50:35
